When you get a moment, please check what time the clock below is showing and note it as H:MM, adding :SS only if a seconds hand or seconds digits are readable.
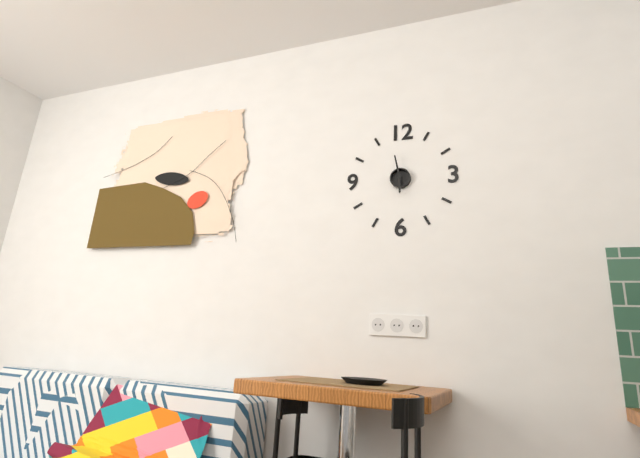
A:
5:58
